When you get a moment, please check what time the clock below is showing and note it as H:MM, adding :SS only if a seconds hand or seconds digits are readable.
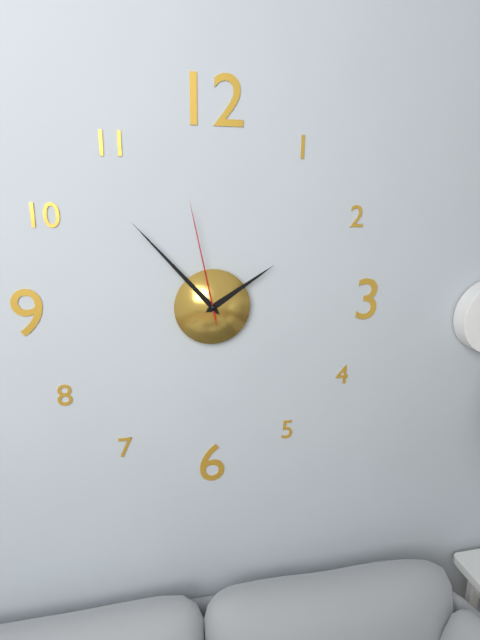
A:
1:53:58
